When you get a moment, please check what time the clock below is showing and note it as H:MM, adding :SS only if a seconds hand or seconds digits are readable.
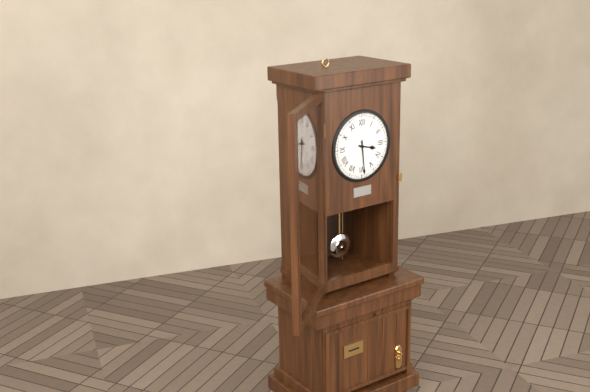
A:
3:29
